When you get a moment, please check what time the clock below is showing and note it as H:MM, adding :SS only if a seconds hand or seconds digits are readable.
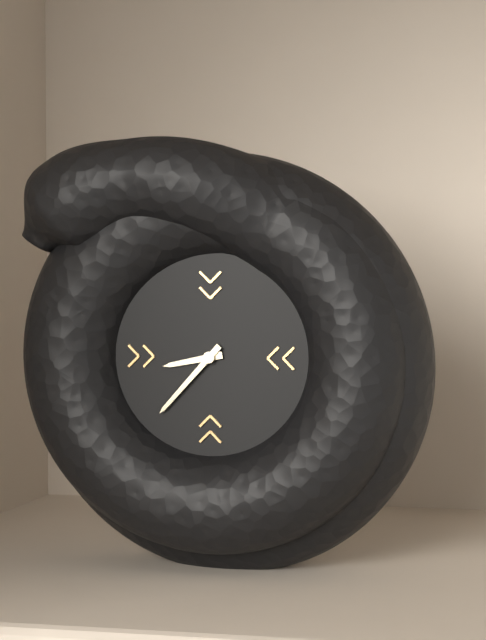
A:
8:37
